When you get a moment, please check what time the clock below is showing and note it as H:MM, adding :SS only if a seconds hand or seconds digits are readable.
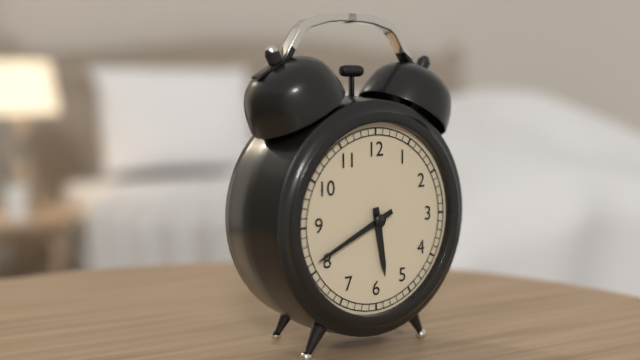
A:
5:41
